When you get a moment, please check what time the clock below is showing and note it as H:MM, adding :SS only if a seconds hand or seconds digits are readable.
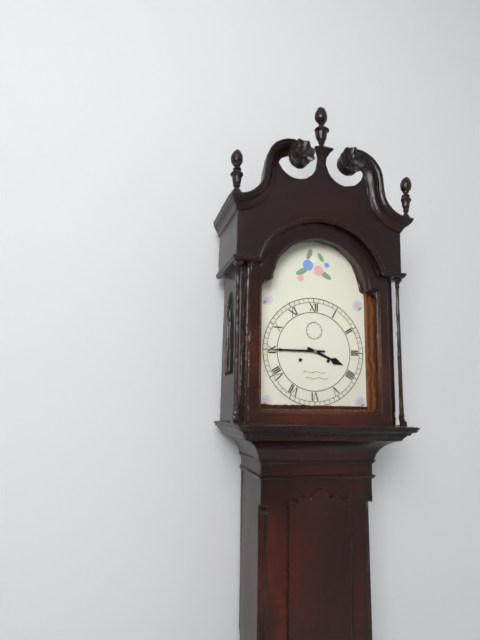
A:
3:45
